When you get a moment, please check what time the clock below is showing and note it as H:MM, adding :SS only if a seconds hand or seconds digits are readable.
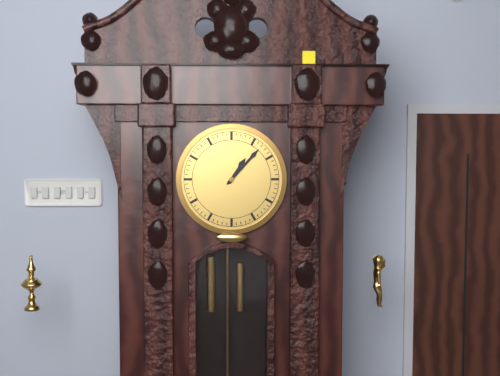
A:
1:07
